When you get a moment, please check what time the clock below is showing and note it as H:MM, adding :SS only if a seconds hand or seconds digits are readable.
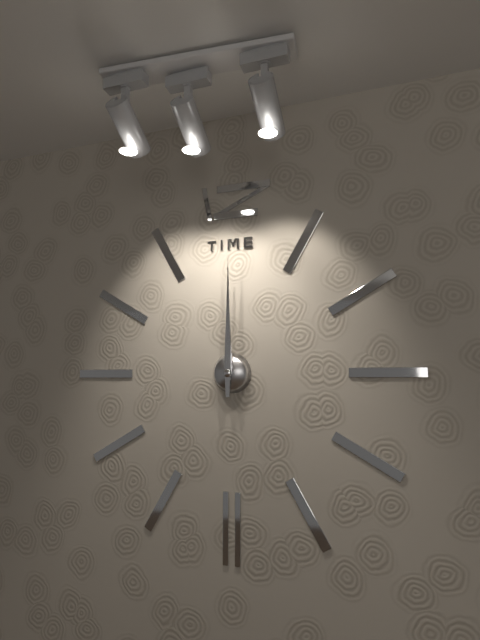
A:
12:00
